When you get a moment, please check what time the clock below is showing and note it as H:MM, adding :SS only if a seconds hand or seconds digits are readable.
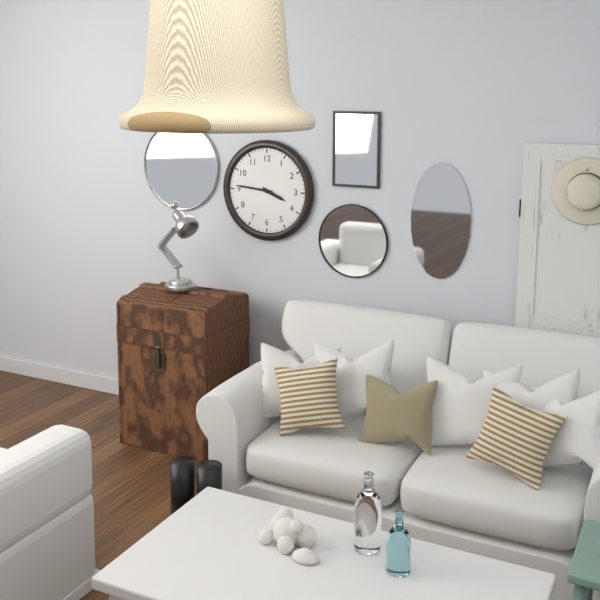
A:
3:46
